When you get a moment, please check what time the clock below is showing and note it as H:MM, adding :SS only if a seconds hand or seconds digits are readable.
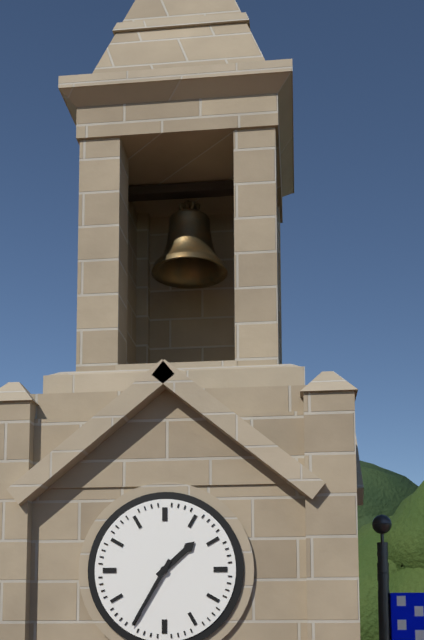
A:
1:35
